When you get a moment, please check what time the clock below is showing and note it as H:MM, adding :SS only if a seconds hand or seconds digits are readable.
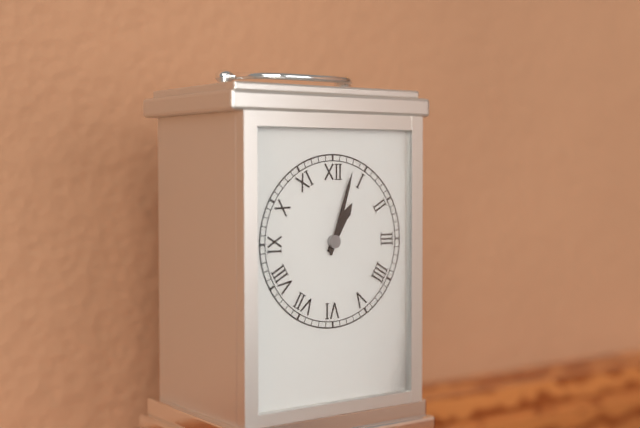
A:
1:03
